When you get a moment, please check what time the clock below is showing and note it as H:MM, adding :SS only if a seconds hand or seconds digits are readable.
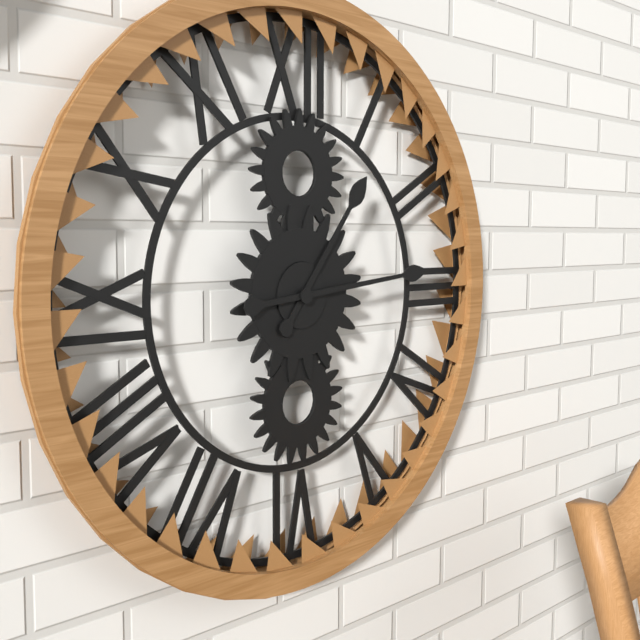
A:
1:14
